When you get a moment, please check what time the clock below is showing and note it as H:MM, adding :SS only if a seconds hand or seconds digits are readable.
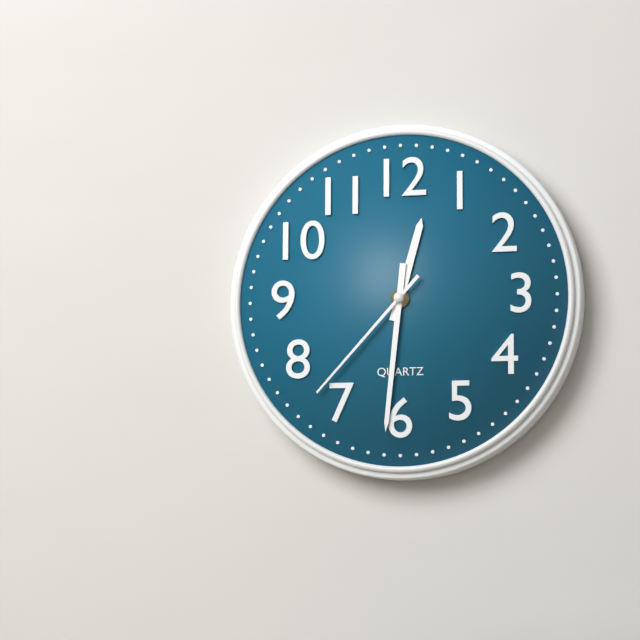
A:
12:31:37
